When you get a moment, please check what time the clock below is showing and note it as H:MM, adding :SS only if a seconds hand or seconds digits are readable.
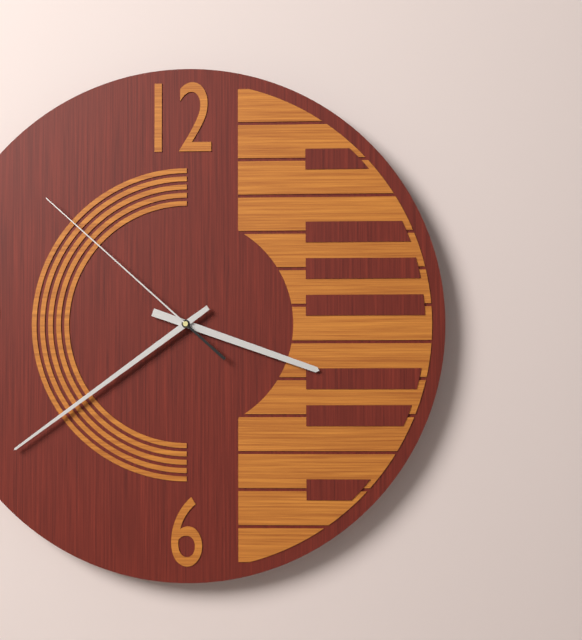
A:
3:39:52
